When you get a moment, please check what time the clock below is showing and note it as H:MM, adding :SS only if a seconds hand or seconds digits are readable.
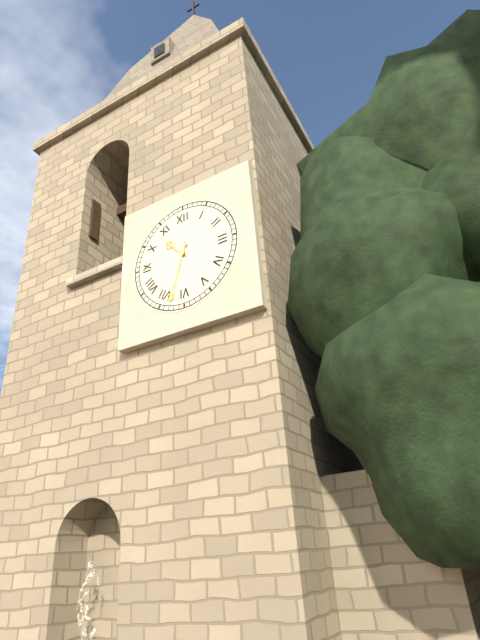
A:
10:33
